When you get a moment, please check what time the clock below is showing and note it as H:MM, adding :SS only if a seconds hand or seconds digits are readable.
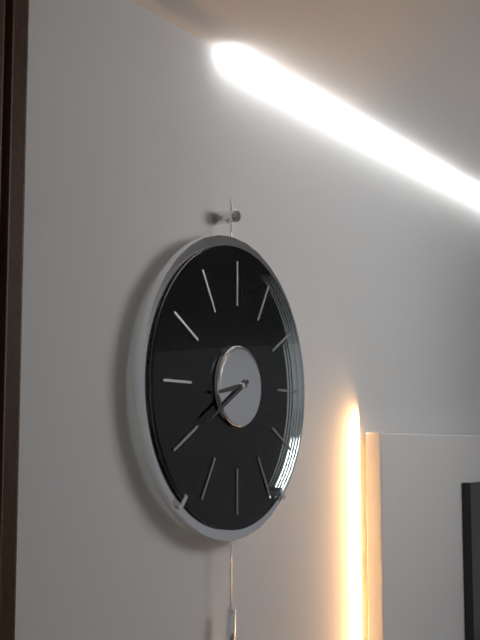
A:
8:40
